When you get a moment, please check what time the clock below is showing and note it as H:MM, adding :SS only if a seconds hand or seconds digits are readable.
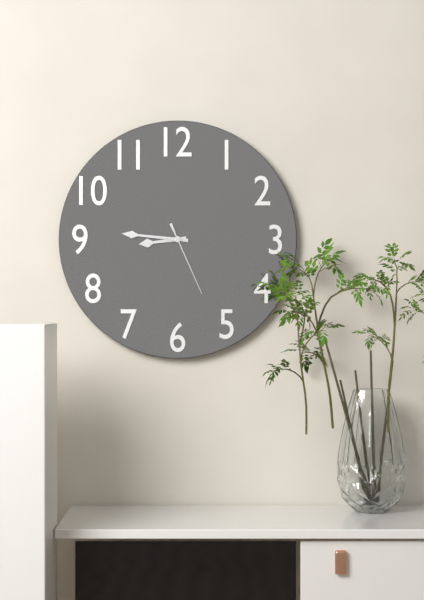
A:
8:46:26
